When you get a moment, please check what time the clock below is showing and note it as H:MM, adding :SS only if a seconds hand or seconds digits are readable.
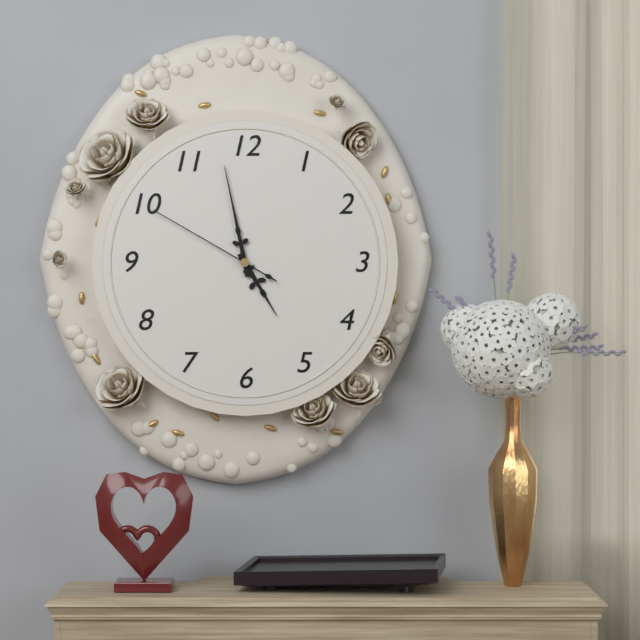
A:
4:58:50
